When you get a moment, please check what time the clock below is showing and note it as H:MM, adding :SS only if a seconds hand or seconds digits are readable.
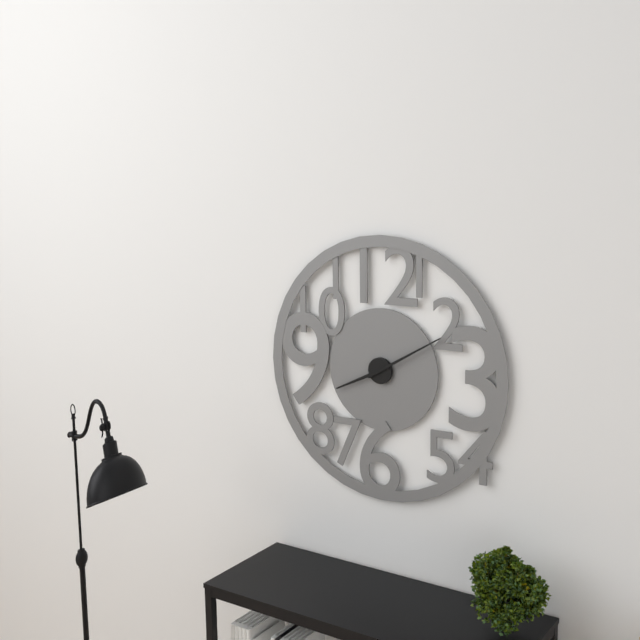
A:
8:10
